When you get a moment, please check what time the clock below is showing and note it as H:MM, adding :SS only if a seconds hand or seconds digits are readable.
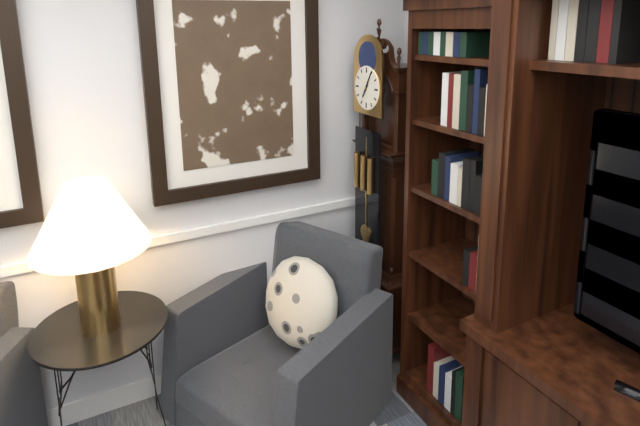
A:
7:05
